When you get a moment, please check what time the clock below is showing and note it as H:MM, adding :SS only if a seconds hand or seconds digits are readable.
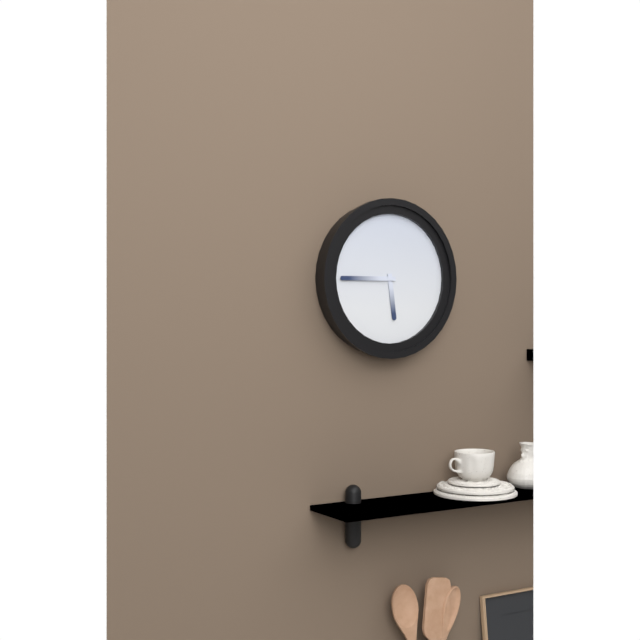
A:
5:45
